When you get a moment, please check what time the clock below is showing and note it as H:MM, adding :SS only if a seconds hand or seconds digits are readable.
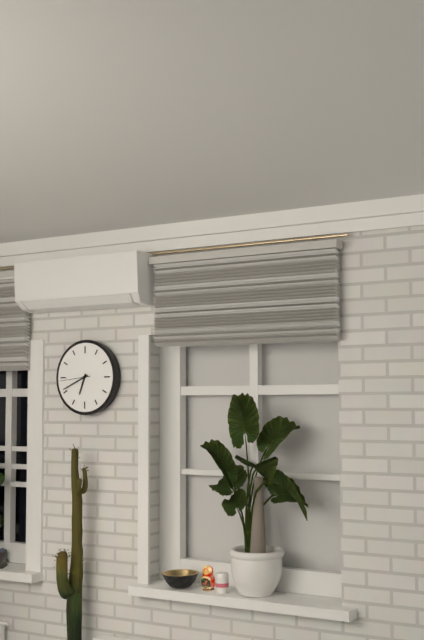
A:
6:41
